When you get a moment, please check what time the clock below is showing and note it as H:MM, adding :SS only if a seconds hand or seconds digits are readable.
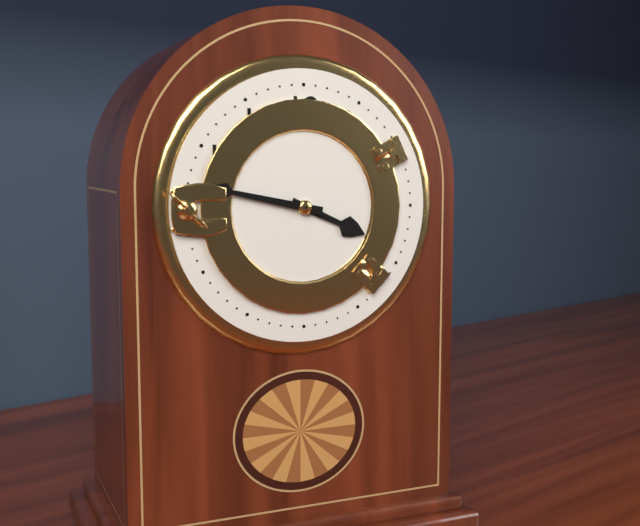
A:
3:47
